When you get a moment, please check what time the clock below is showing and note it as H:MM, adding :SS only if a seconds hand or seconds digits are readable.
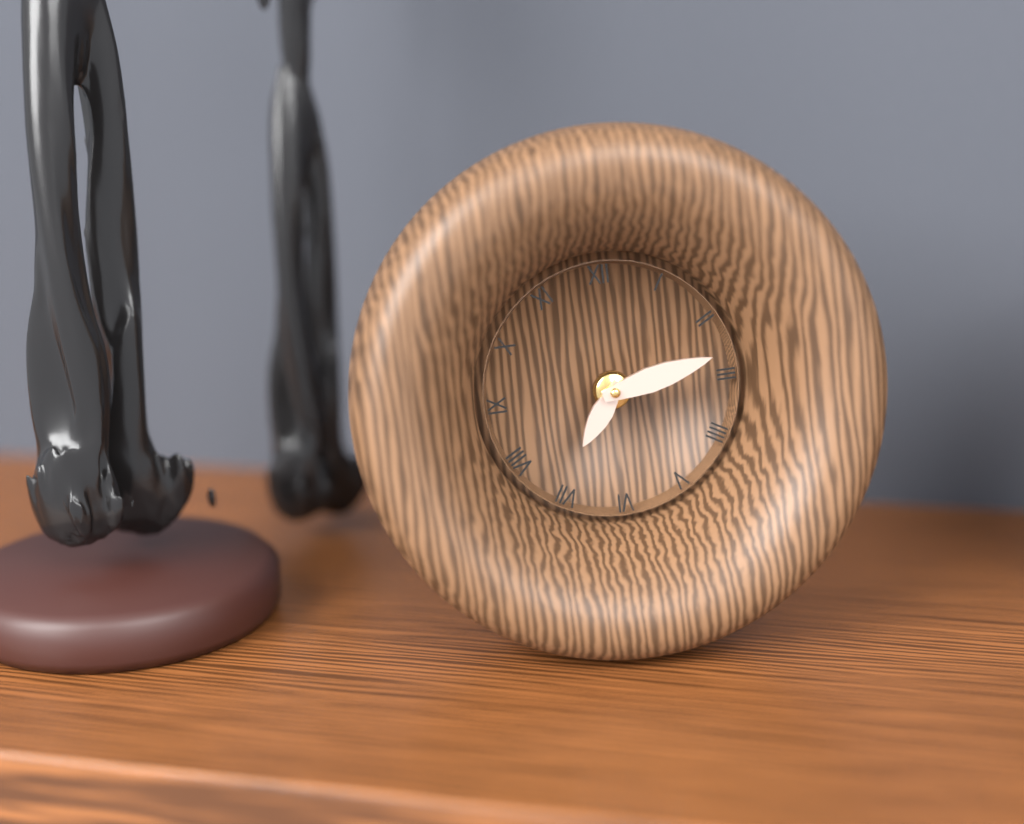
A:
7:13
